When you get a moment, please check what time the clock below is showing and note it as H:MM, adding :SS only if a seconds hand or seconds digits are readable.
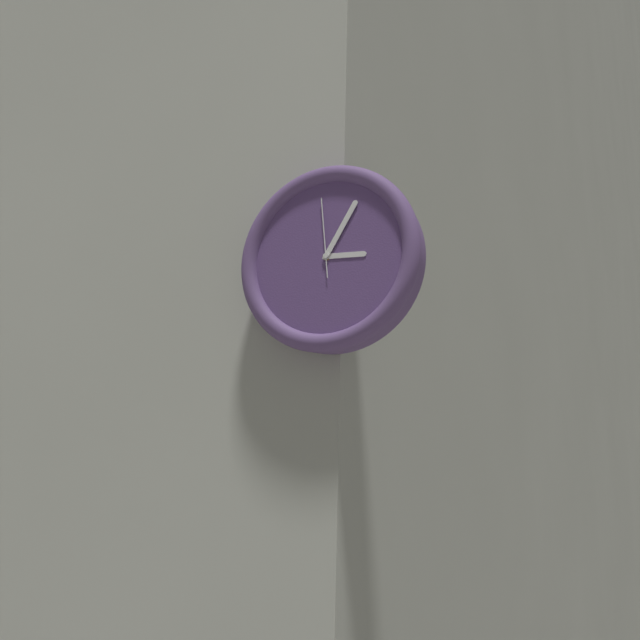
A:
3:05:59
